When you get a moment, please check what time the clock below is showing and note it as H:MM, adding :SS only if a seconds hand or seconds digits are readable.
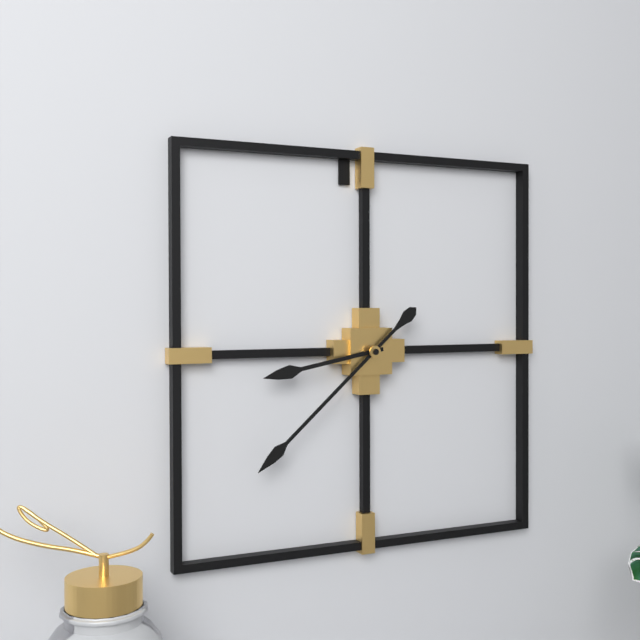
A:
8:38
